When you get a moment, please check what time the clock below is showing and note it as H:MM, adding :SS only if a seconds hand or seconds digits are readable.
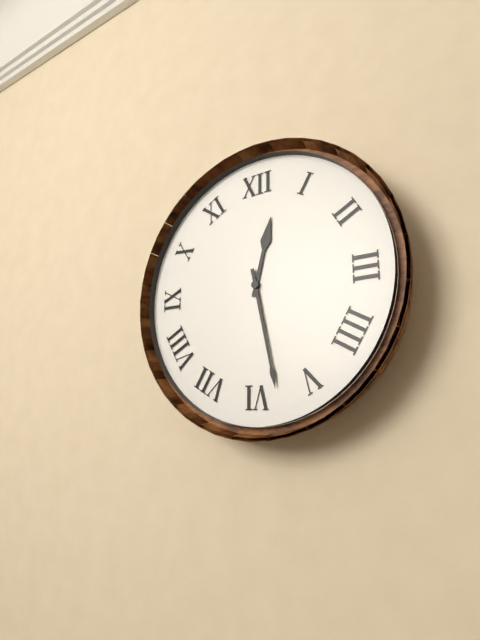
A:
12:28
